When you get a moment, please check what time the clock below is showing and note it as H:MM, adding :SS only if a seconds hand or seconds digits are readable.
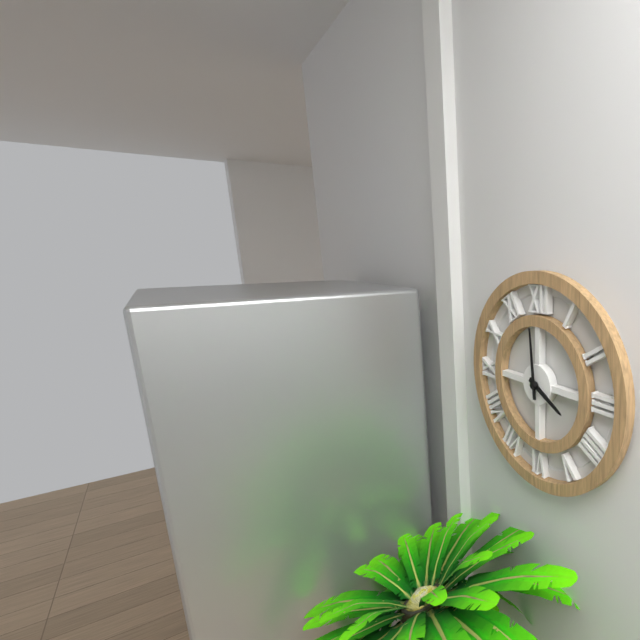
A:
3:59
